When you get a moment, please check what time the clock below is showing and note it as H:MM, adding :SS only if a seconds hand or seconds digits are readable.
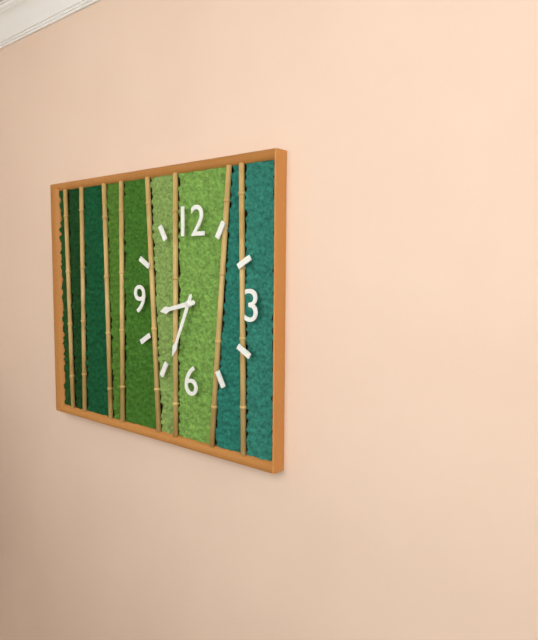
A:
8:34
